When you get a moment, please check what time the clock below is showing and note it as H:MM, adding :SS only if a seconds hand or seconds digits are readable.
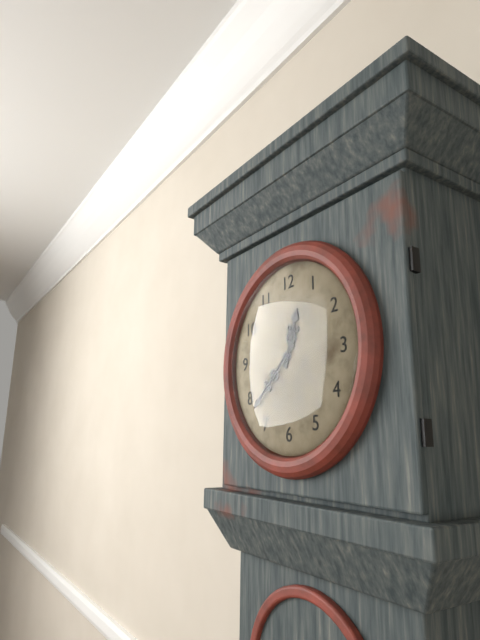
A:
12:38
